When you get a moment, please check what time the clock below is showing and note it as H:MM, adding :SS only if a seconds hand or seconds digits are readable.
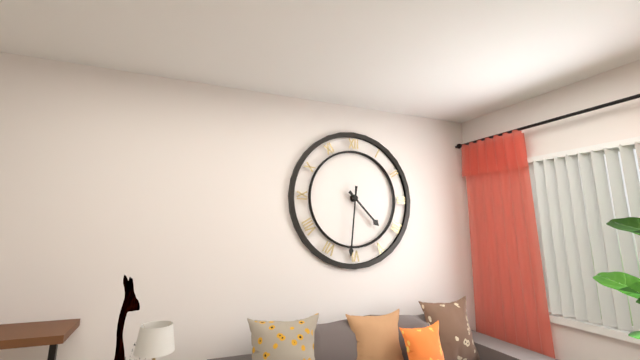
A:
4:31
